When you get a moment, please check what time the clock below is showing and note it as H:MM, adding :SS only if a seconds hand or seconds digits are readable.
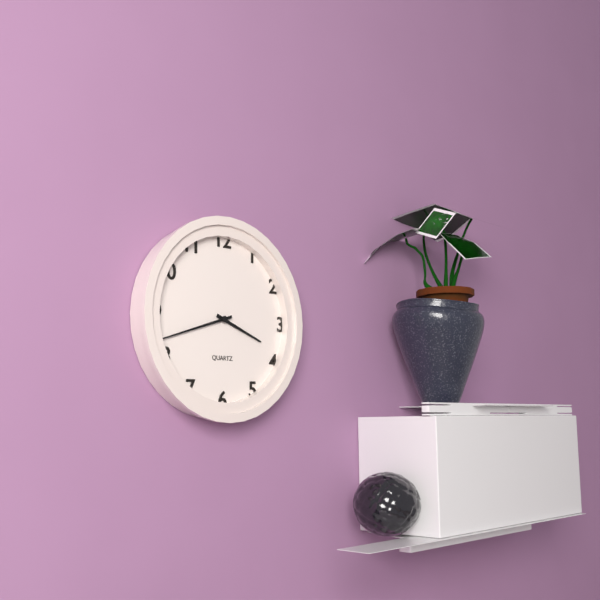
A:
3:42
